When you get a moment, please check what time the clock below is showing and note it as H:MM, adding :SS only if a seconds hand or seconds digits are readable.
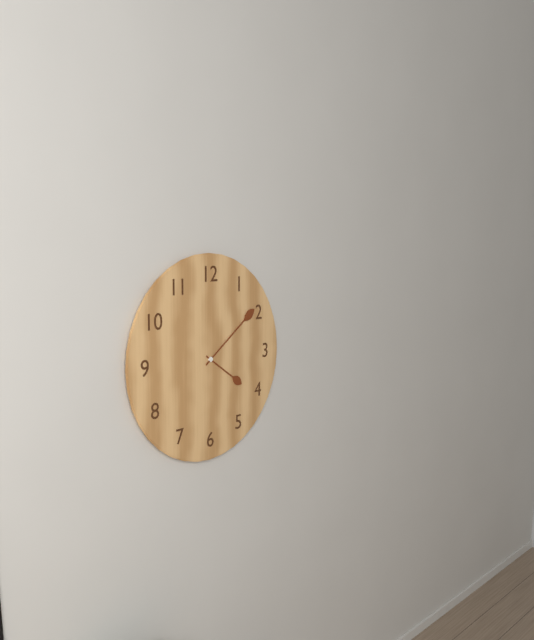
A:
4:09
